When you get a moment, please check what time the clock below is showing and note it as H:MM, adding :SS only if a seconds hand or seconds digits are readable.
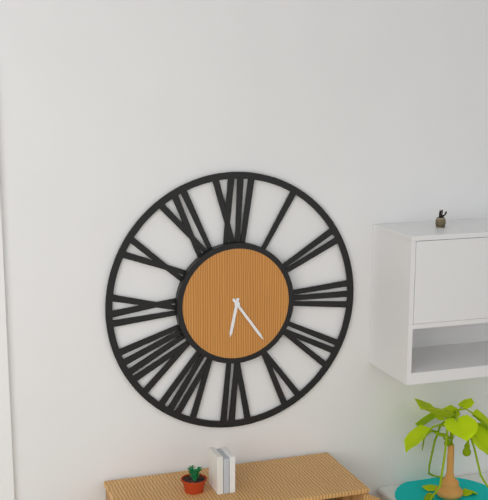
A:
6:24
